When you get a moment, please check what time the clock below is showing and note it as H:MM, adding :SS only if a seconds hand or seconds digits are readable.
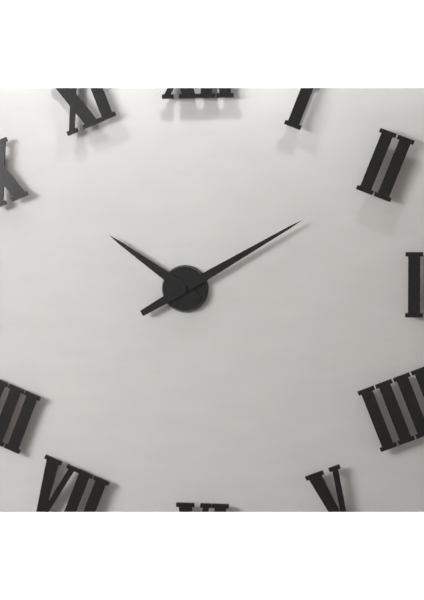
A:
10:10
